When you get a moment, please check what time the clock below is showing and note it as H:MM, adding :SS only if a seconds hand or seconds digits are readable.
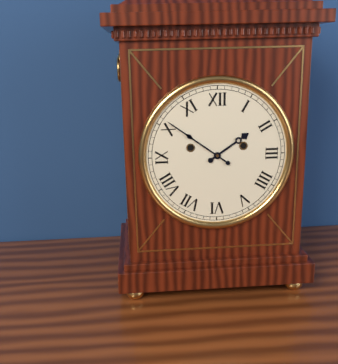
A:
1:51
